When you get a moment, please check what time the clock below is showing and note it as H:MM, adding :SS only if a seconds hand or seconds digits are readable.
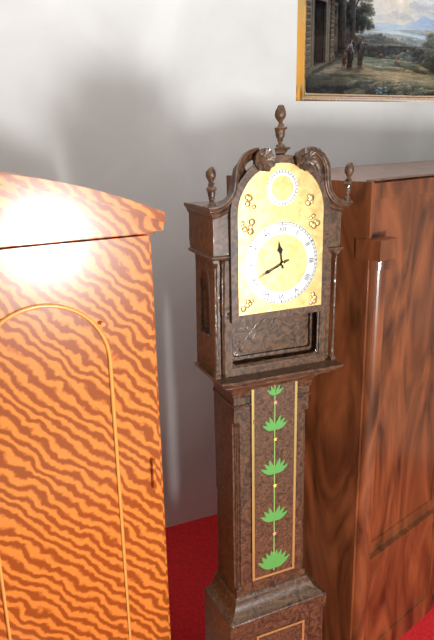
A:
11:41
